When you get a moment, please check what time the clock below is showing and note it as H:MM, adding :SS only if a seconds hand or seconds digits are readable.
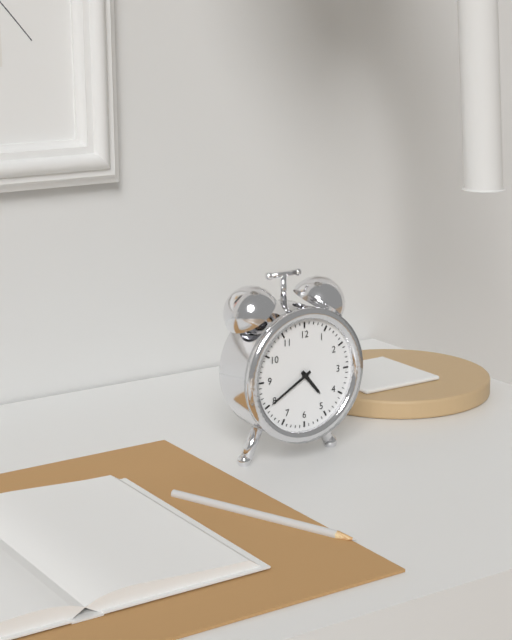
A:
4:40
